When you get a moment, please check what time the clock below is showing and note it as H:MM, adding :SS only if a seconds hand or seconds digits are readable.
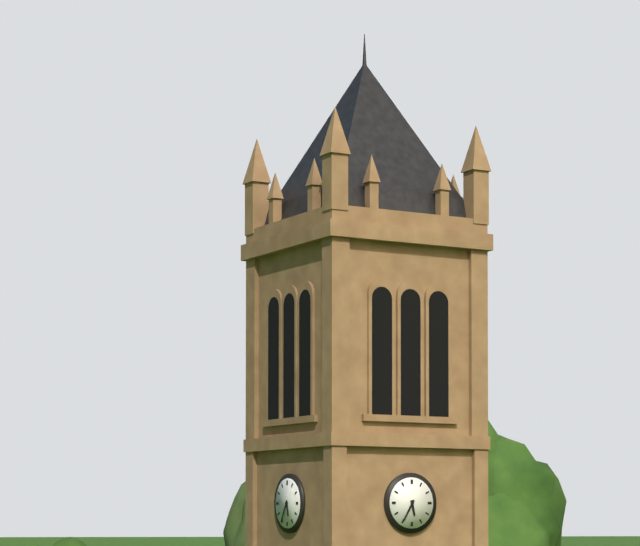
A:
5:35
